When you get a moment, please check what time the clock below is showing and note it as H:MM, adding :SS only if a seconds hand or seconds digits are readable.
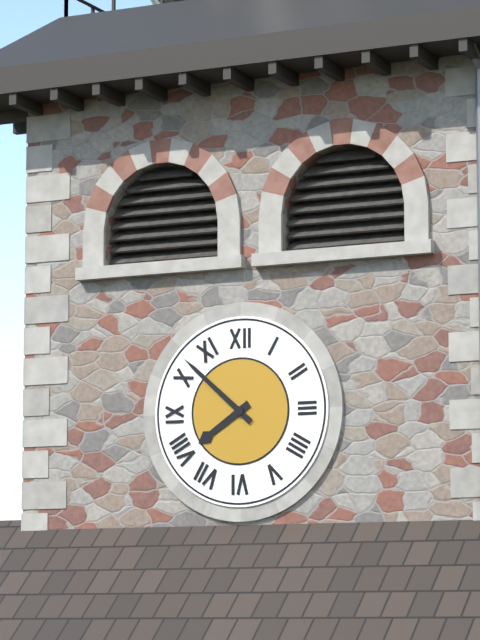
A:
7:52
